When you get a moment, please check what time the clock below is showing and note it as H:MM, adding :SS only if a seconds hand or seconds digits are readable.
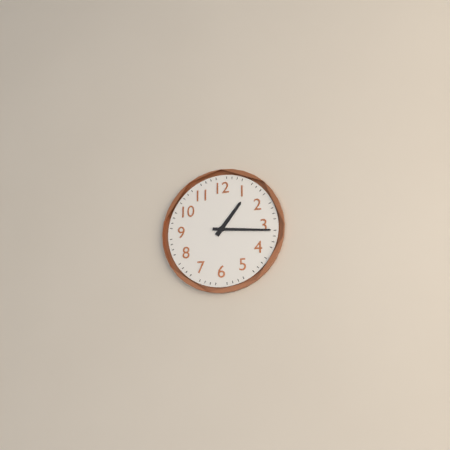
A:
1:16
